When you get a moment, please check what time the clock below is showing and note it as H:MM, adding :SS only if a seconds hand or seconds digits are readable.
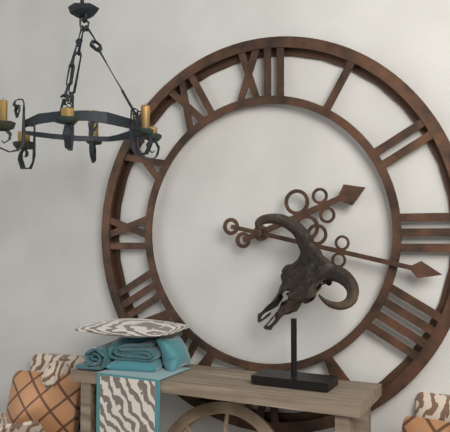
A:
2:17
